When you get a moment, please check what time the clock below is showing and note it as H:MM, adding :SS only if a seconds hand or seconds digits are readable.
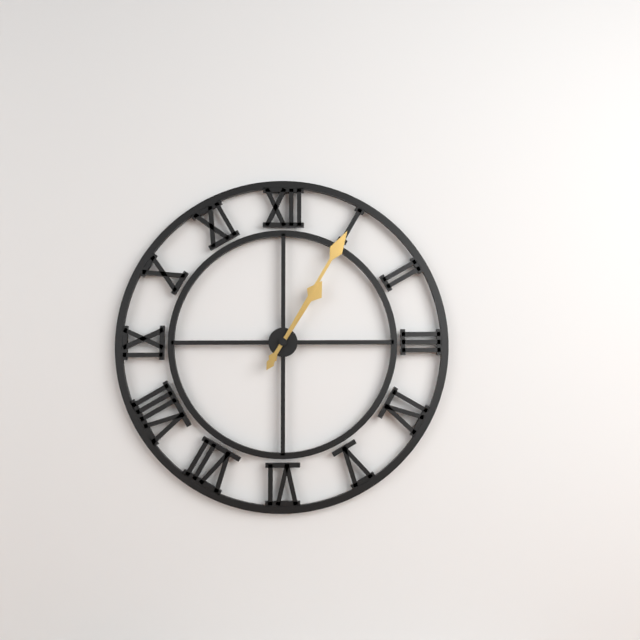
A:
1:05
